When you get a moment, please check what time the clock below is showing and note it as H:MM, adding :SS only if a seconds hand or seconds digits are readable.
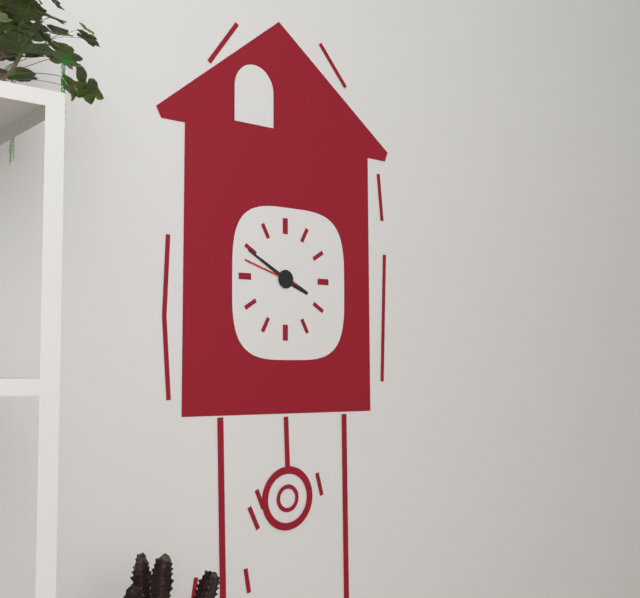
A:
3:50:48
